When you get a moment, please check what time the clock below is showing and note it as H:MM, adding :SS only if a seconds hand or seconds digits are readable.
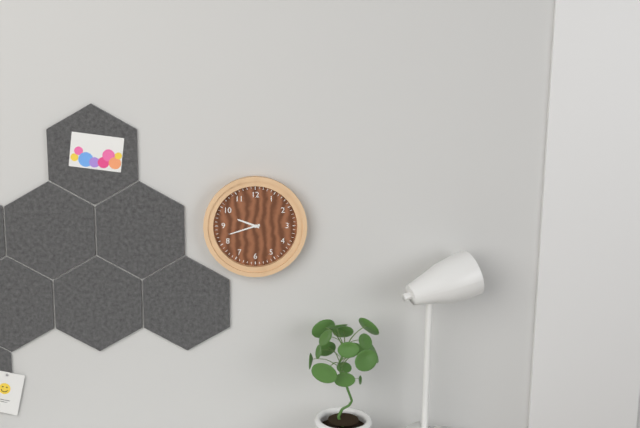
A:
9:42
